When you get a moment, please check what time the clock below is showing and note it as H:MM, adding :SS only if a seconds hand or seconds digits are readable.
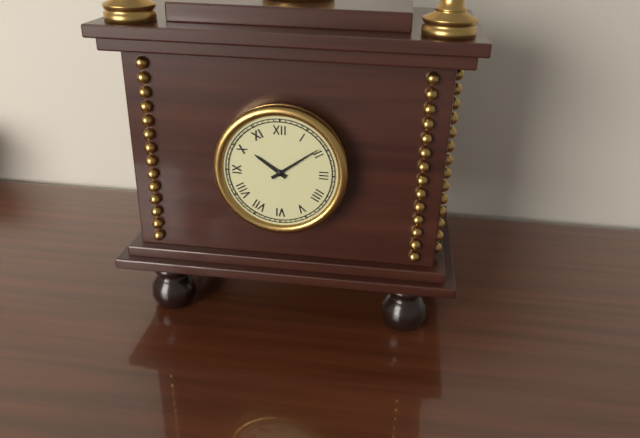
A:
10:09
